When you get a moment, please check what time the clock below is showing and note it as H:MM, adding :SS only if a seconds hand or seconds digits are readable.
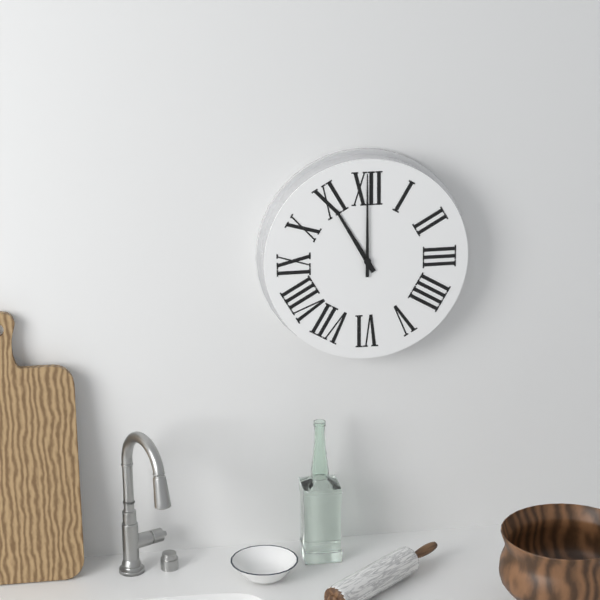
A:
11:00
